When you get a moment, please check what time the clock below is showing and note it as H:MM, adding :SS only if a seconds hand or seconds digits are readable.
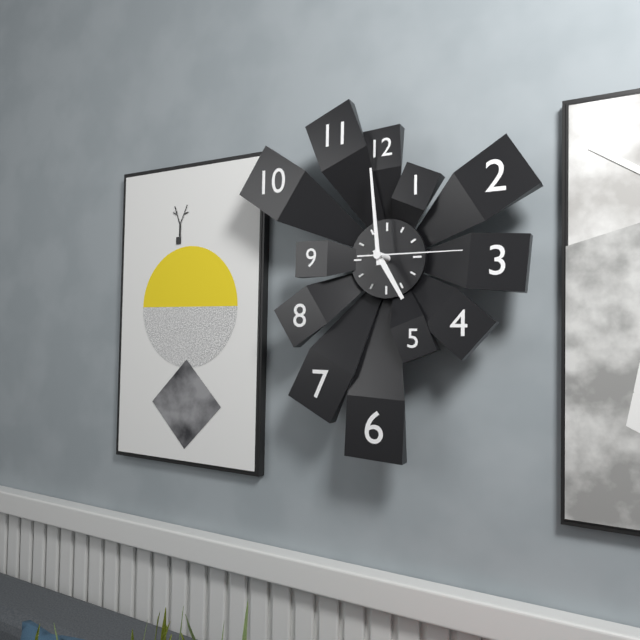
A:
4:59:15
